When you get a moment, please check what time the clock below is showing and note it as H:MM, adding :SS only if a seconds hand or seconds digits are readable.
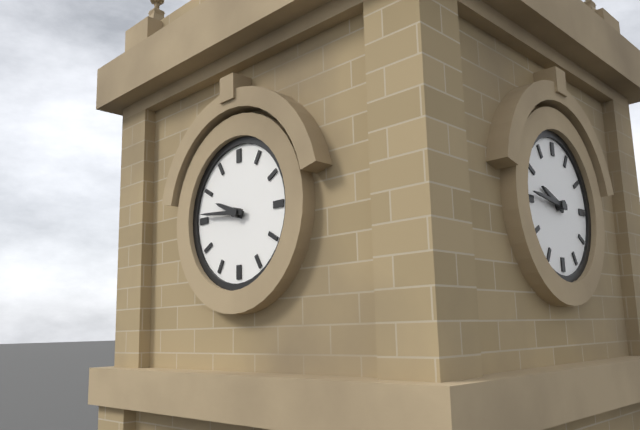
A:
9:46
